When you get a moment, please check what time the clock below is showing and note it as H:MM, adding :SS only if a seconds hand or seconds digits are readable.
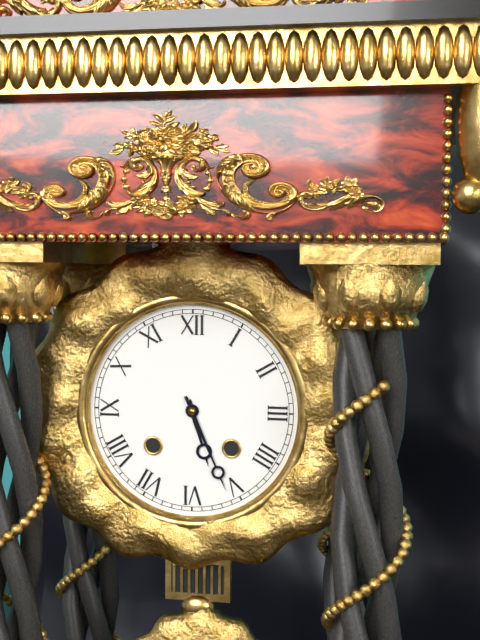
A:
5:26
